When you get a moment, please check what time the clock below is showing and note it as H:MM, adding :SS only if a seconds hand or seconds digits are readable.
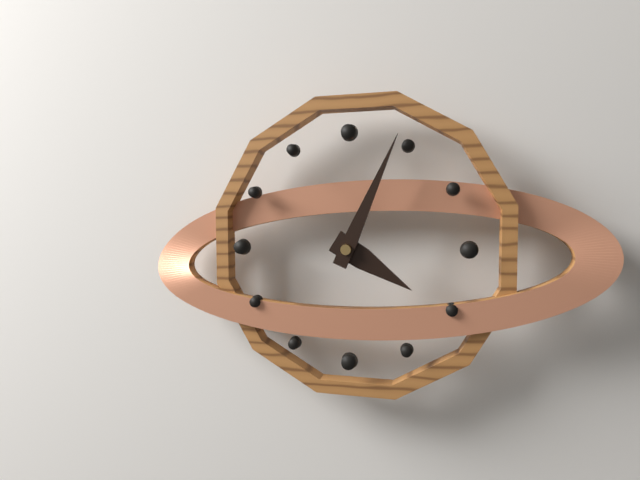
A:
4:04
